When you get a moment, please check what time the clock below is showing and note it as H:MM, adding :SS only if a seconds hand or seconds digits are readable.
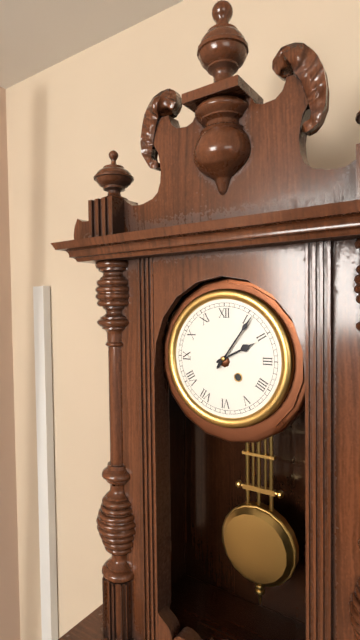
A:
2:06
